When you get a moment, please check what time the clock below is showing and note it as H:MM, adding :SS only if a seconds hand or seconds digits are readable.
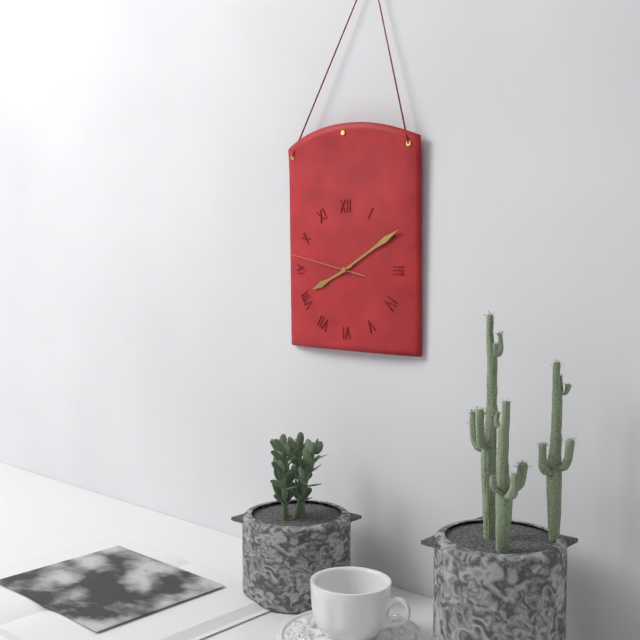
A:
8:10:47
